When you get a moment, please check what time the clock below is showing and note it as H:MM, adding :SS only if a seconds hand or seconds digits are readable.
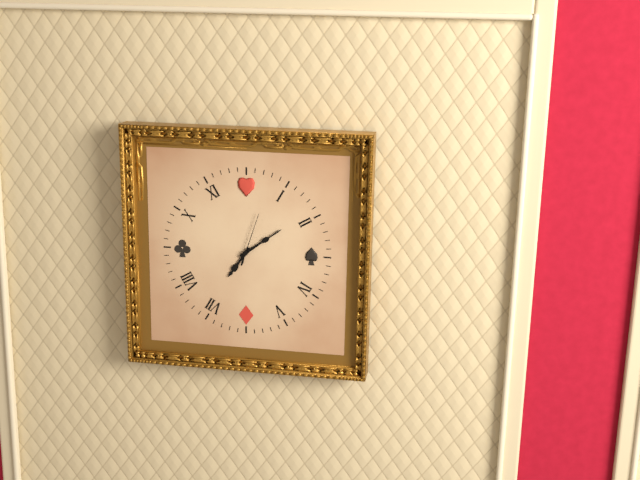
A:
7:09:03
